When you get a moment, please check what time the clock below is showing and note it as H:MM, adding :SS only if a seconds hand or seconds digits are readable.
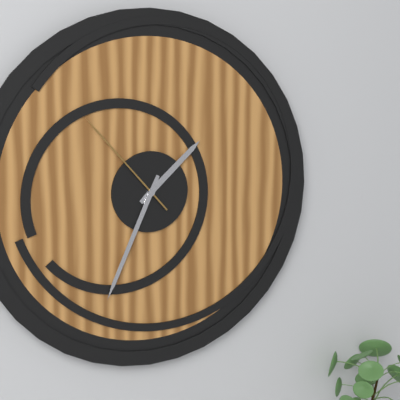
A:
1:34:53
